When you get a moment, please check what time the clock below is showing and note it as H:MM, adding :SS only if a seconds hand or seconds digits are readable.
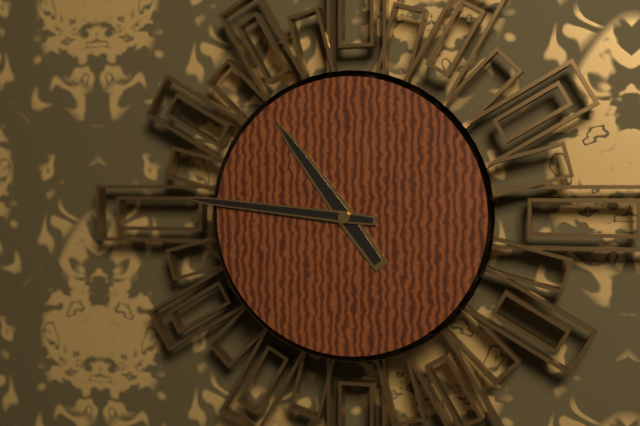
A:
10:46
